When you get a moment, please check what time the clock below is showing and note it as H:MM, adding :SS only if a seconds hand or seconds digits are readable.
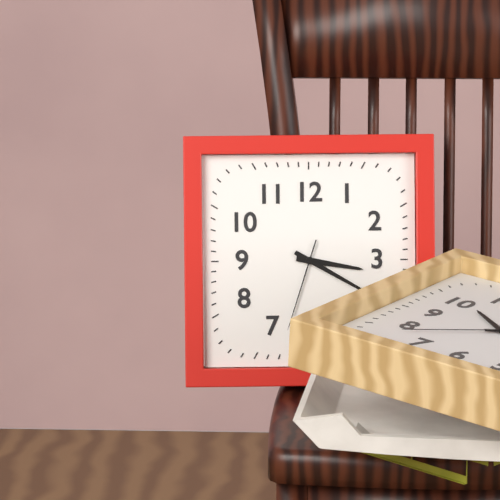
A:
3:20:33
